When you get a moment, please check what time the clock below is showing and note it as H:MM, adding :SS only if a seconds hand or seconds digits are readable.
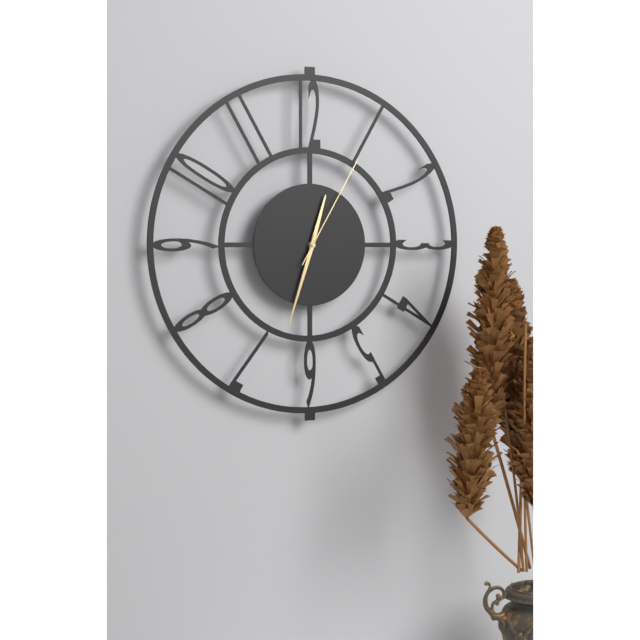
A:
12:33:05
